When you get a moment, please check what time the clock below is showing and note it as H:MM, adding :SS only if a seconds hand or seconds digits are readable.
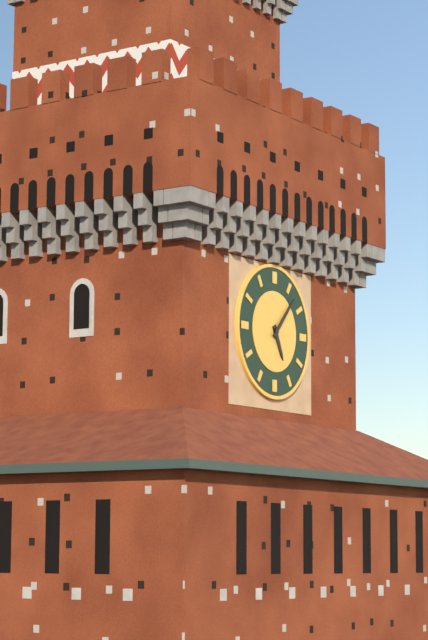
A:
5:07
